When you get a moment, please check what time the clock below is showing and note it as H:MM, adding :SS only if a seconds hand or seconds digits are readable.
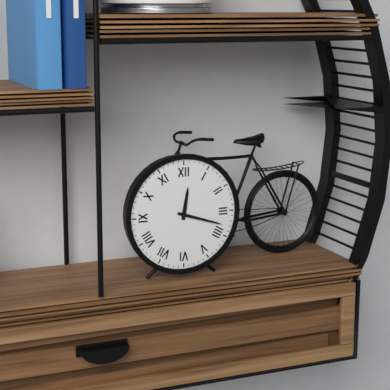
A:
12:18
